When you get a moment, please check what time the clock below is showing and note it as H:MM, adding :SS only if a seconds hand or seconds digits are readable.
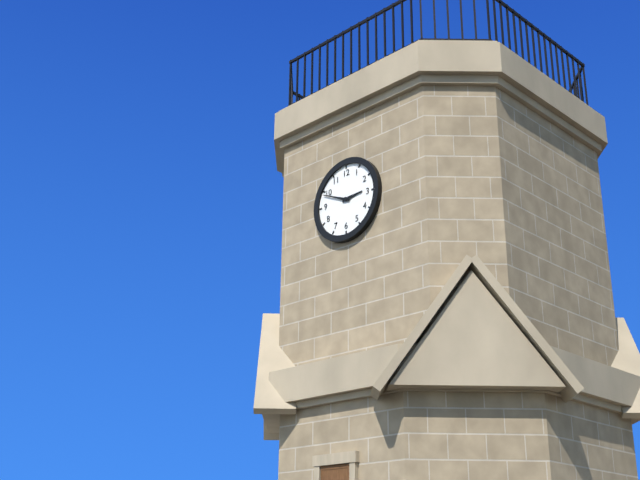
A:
2:49
